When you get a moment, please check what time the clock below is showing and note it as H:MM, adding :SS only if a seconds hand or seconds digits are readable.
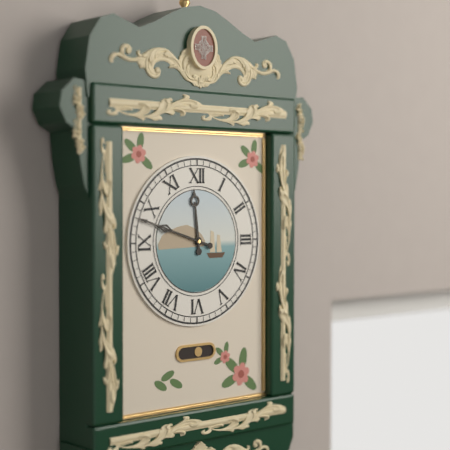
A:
11:48
